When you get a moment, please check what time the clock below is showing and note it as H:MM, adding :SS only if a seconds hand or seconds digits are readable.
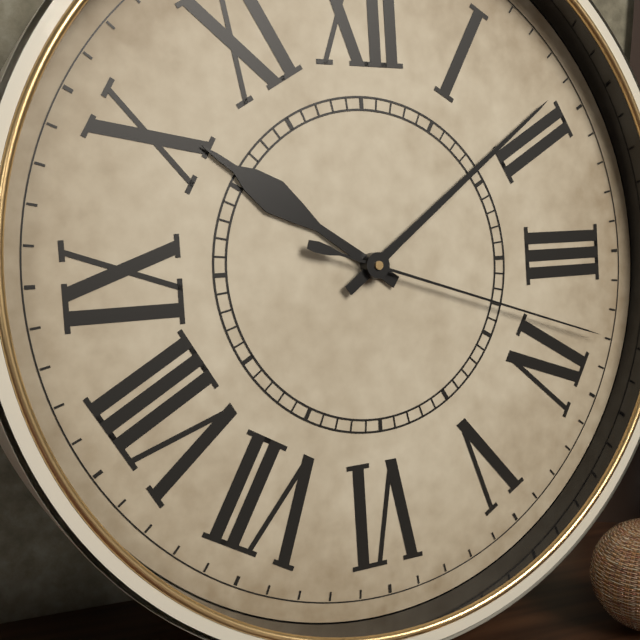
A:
10:09:18
